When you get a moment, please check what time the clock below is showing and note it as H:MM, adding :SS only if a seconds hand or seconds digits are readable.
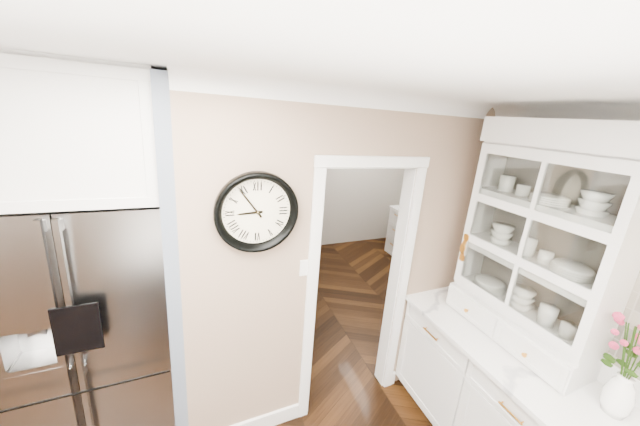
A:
8:54
